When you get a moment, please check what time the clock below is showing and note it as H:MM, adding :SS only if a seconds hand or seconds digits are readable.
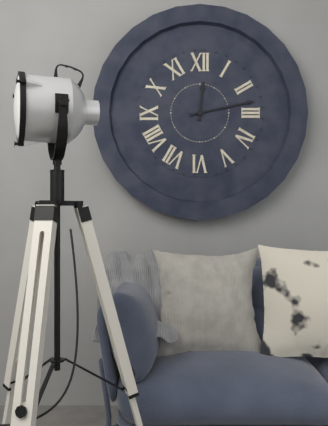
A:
12:13
